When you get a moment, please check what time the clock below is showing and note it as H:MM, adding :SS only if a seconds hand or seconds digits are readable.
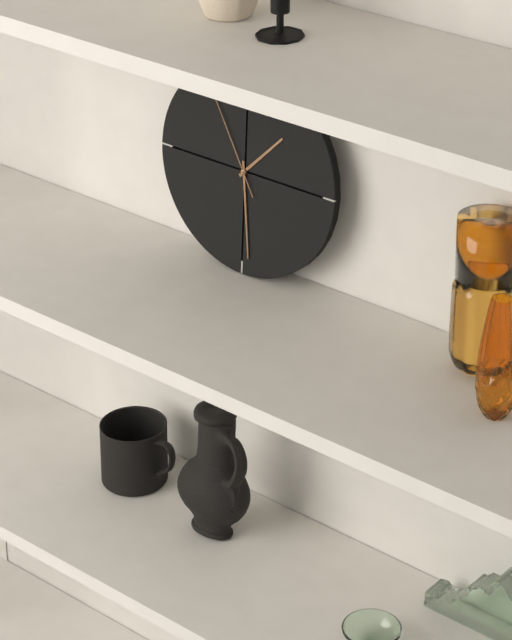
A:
1:29:55
